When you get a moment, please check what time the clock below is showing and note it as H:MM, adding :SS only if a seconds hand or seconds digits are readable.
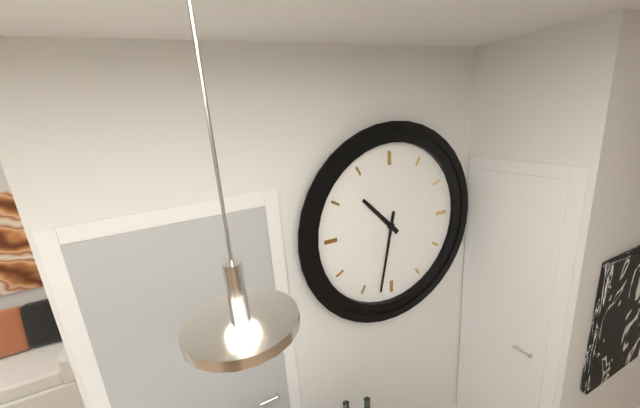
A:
10:32
